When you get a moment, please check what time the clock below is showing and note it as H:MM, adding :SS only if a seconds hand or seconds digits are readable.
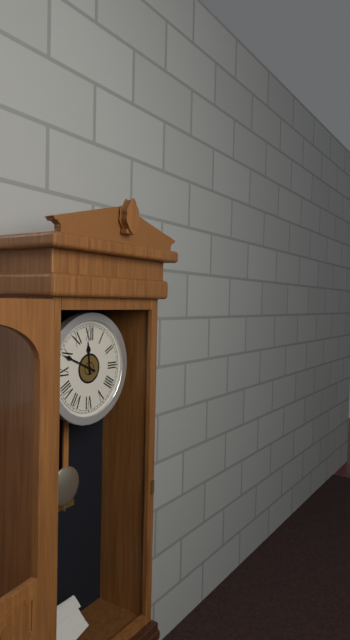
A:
11:49
